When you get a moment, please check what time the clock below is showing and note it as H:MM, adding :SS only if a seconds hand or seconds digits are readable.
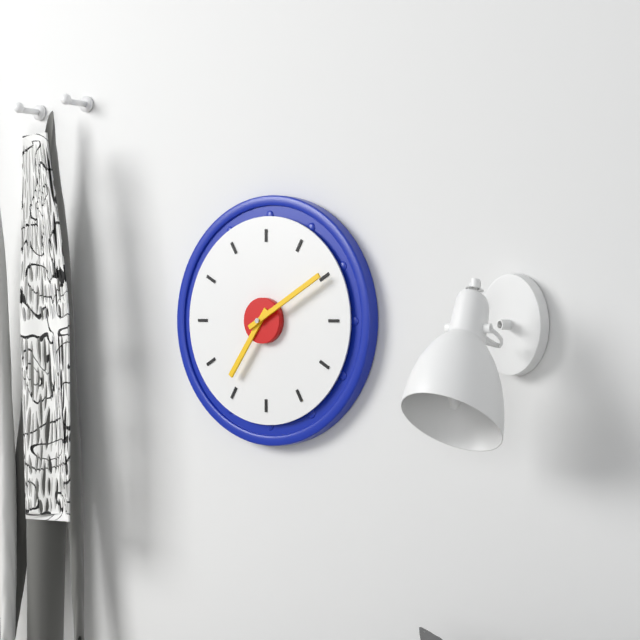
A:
7:10
